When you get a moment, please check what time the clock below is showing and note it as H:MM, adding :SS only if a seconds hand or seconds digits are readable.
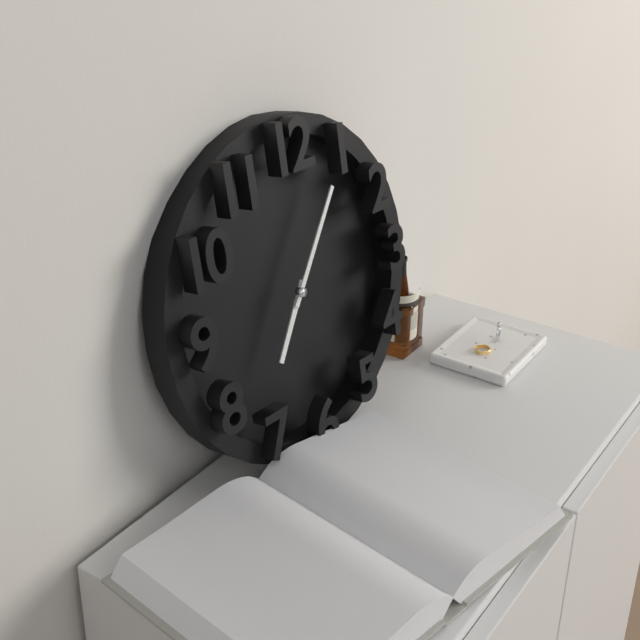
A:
7:06
